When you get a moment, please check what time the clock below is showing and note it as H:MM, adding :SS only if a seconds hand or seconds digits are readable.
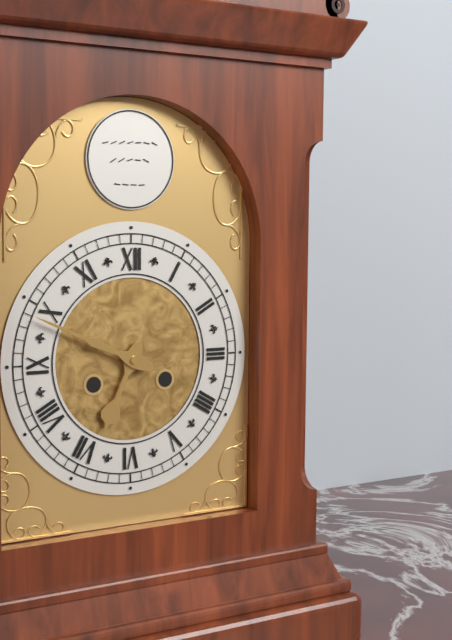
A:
6:49
